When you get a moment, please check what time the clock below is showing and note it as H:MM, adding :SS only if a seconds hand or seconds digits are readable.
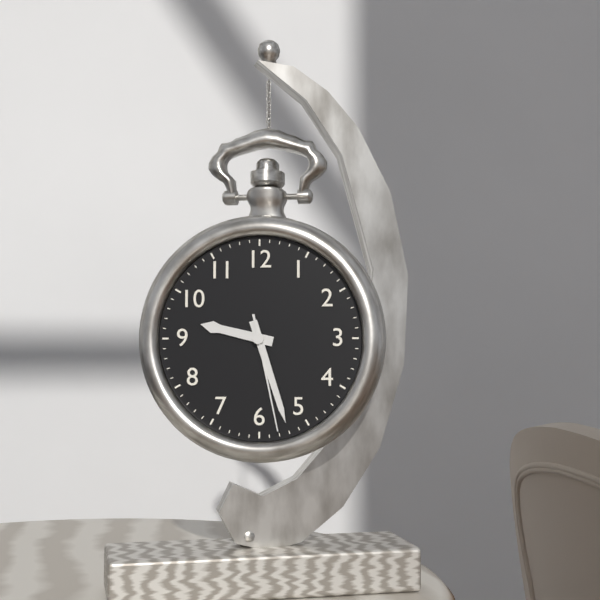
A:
9:27:28
